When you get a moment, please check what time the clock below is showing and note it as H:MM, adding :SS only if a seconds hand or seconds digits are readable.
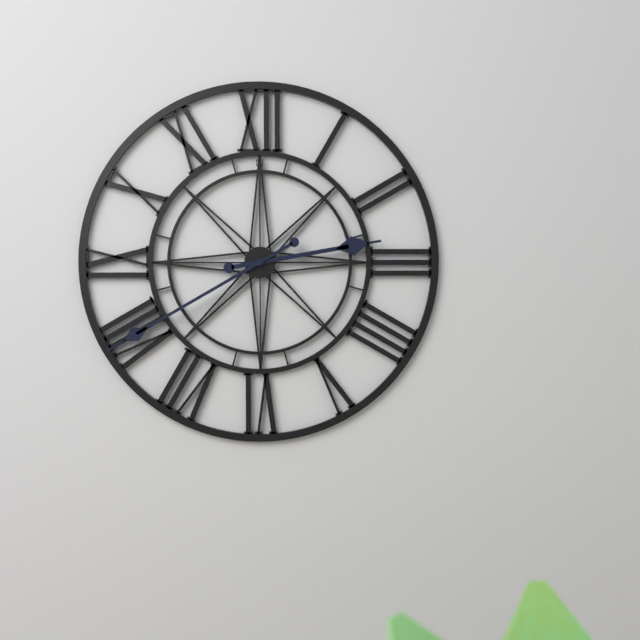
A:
2:40
